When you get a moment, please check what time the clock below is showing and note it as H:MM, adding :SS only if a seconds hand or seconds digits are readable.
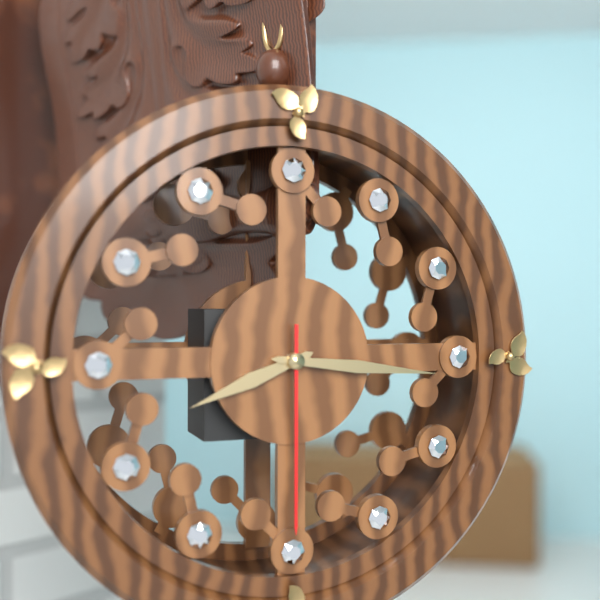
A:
8:16:30
